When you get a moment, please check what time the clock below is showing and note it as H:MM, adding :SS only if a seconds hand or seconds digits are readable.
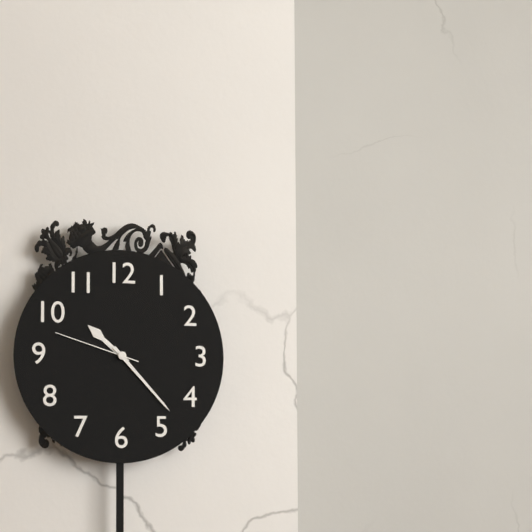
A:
10:23:48
